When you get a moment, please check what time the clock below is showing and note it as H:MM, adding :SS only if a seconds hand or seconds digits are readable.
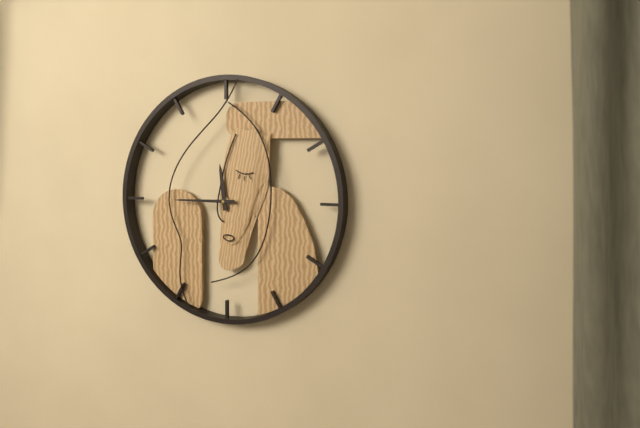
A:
11:45
